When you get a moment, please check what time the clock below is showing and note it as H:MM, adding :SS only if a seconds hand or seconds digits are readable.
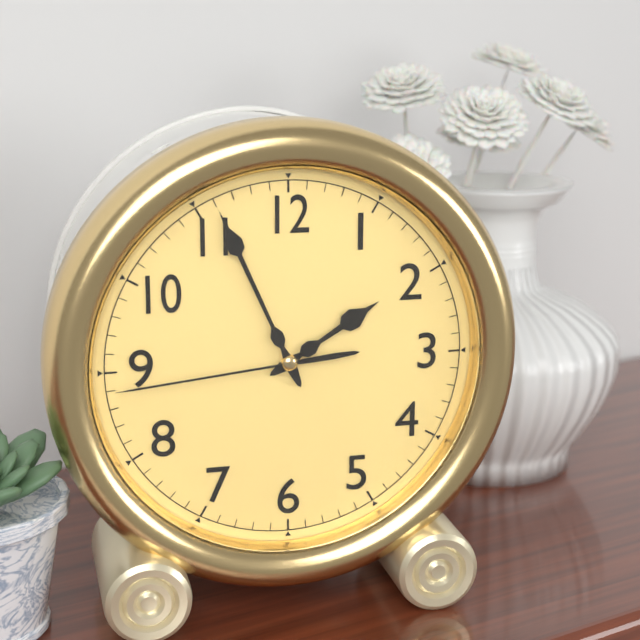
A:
1:56:44
